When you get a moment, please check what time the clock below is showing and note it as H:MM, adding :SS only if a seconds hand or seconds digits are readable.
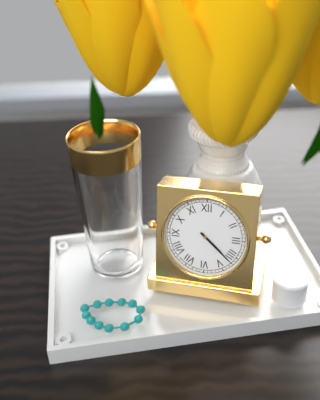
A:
4:22
